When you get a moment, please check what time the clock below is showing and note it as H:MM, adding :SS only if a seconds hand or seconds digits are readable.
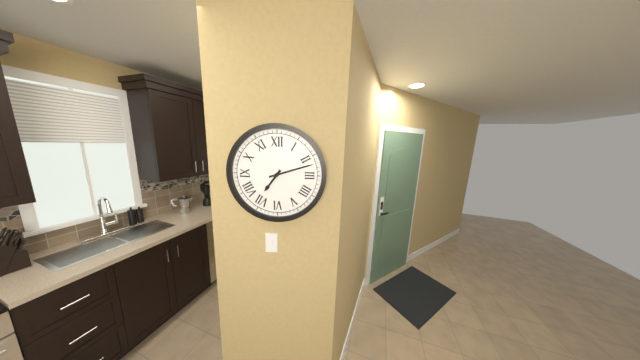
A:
7:12
